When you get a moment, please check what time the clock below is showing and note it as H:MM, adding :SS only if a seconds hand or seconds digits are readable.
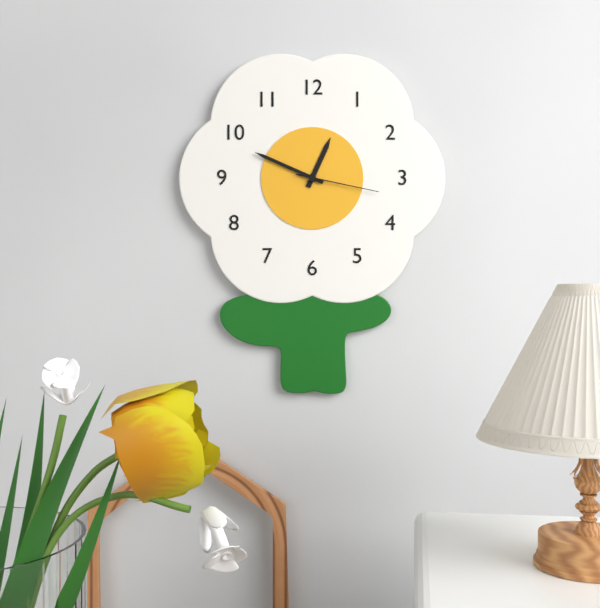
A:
12:49:17
